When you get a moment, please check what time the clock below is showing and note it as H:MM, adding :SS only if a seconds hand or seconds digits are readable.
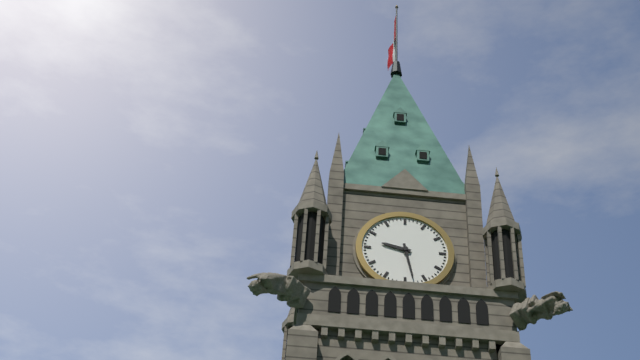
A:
9:28
